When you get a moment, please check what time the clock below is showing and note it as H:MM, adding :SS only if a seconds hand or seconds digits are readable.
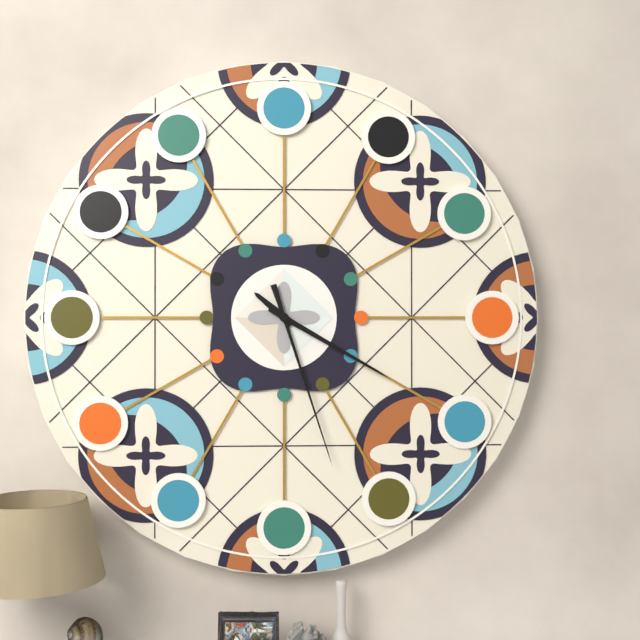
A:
10:20:27
